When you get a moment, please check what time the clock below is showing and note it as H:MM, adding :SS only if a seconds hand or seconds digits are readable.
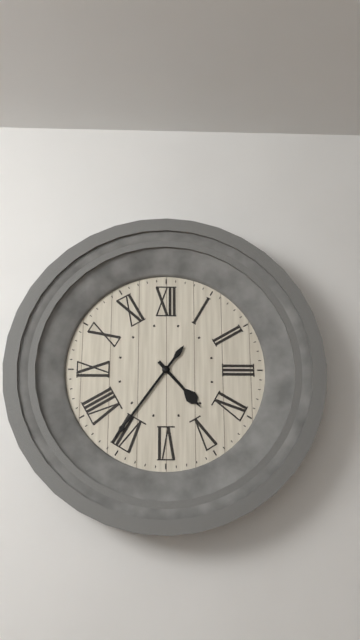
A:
4:36
